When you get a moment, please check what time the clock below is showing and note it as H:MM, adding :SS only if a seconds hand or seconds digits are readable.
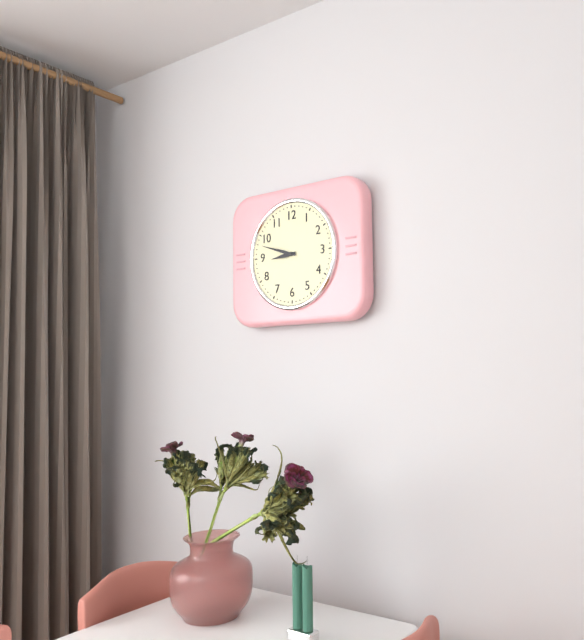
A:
8:48
